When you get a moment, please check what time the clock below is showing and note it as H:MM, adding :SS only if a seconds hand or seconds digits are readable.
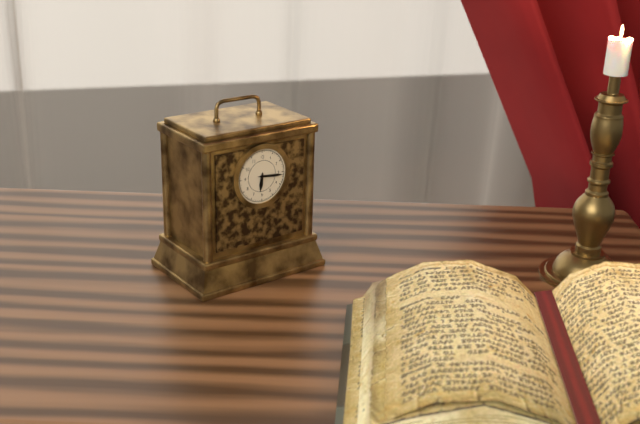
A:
6:16
